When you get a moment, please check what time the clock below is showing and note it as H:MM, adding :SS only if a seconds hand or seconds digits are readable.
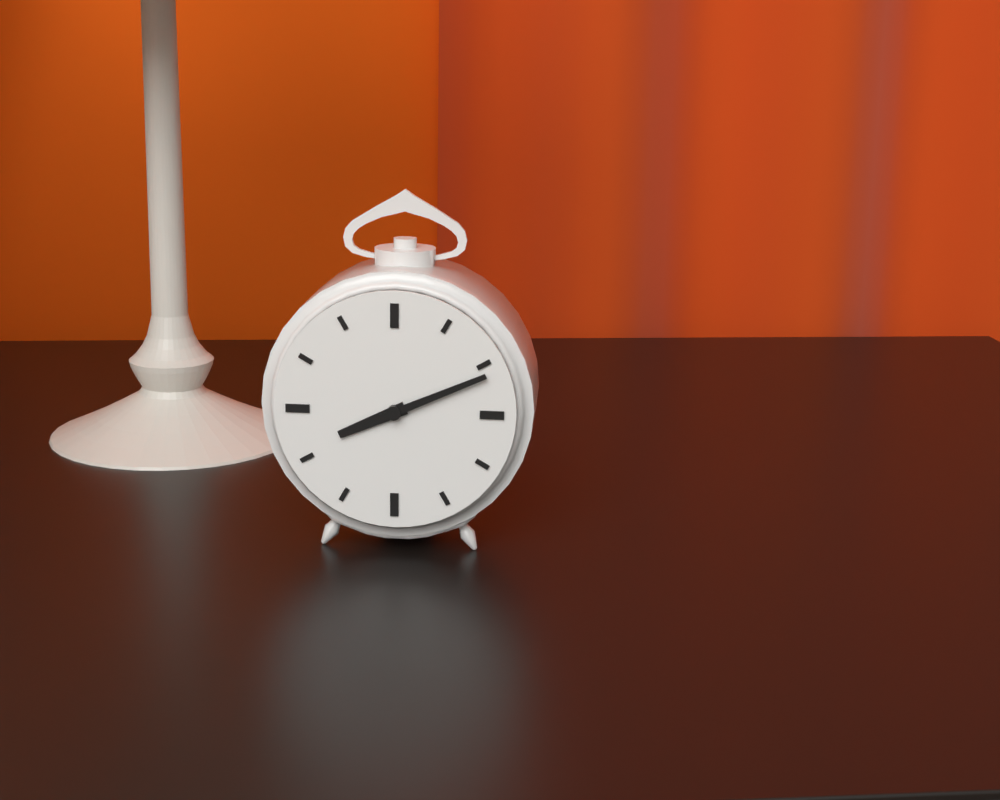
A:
8:11
